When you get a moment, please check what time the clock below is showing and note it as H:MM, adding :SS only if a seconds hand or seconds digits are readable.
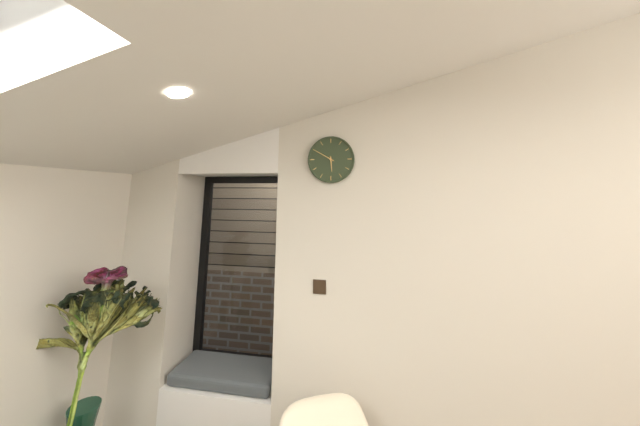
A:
5:50
